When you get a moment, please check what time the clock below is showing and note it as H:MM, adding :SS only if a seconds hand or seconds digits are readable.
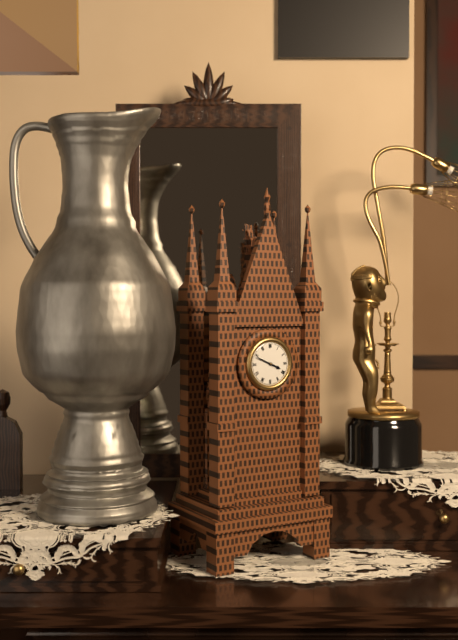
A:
3:49
